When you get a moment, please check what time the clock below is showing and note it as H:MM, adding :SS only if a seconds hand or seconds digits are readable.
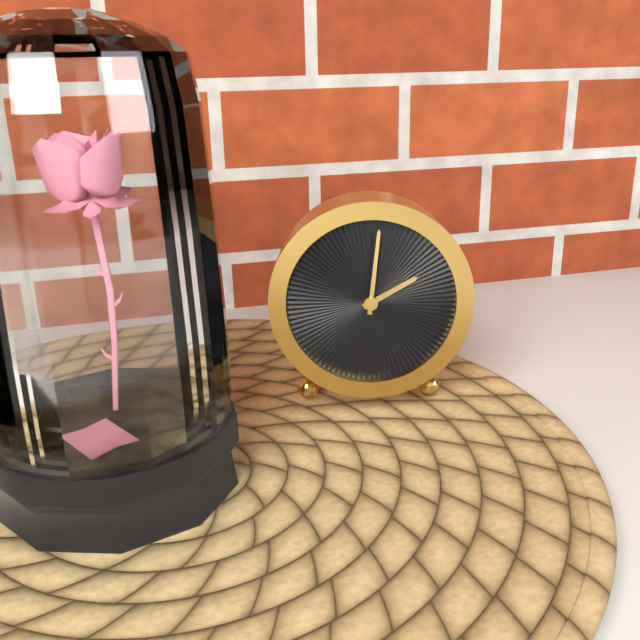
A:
2:01
